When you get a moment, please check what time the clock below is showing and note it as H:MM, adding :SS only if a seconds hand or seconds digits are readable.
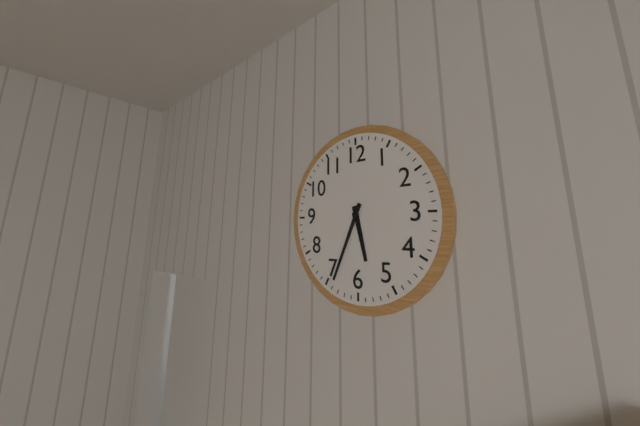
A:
5:34
